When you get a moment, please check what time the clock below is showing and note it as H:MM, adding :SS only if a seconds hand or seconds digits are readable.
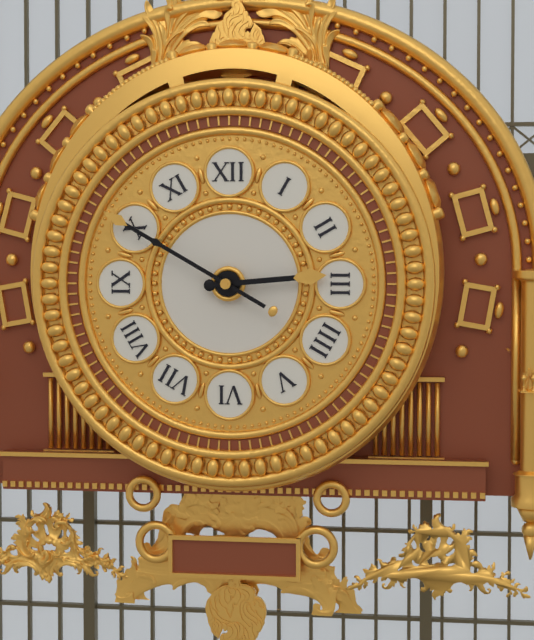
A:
2:50
